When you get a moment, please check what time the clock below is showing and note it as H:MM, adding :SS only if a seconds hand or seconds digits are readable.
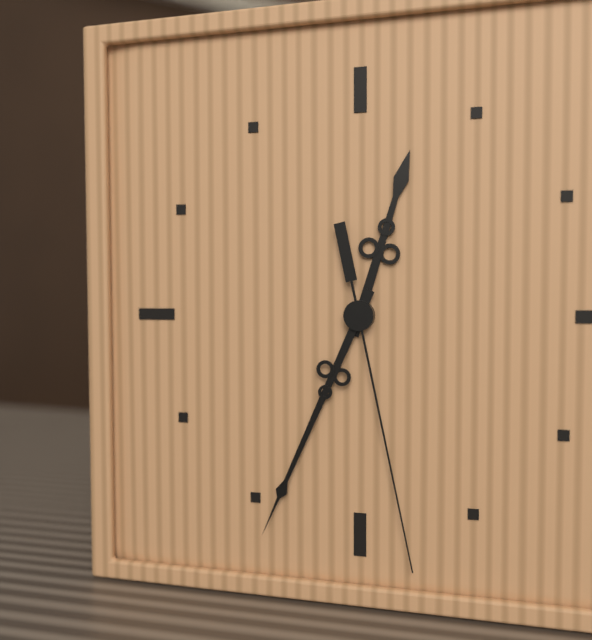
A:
12:34:28
